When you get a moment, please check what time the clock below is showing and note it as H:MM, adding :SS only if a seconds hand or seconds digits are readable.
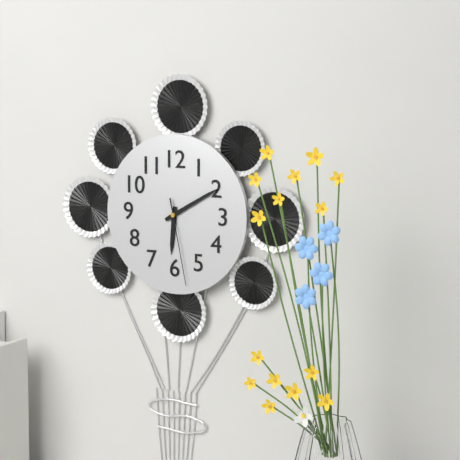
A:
6:10:28
